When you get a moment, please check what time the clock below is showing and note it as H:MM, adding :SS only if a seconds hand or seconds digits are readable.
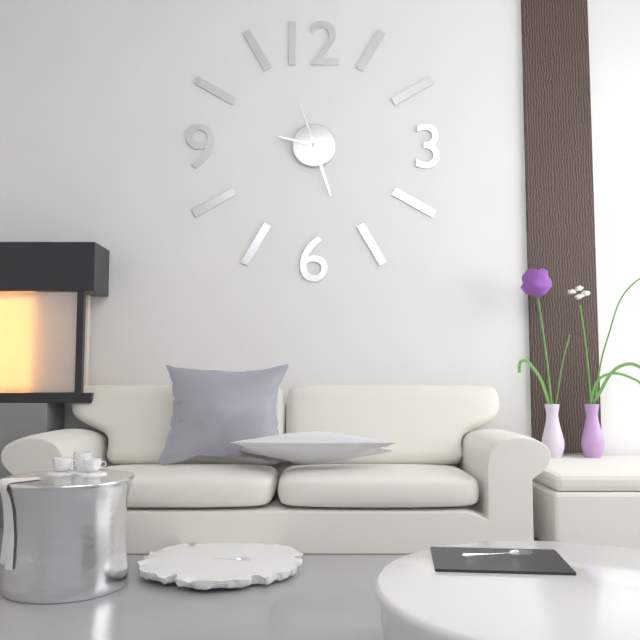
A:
9:27:57
